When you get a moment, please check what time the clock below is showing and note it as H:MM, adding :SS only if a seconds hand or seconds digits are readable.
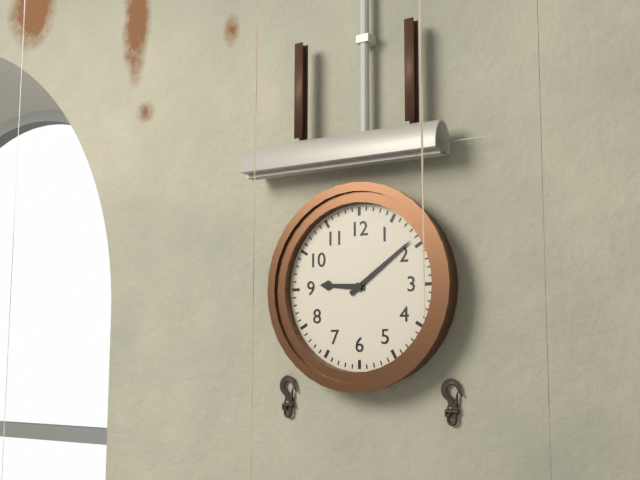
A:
9:09
